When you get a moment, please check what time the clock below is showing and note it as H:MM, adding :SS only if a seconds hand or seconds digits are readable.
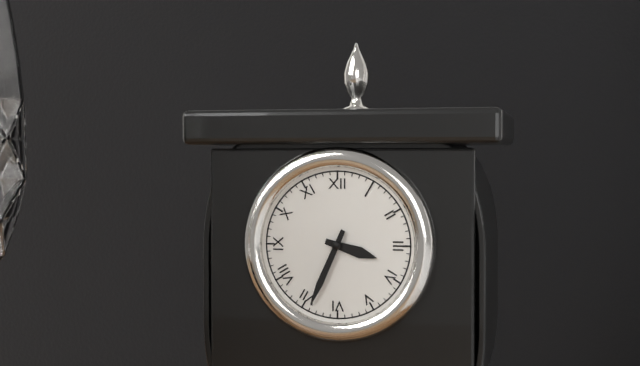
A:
3:34
